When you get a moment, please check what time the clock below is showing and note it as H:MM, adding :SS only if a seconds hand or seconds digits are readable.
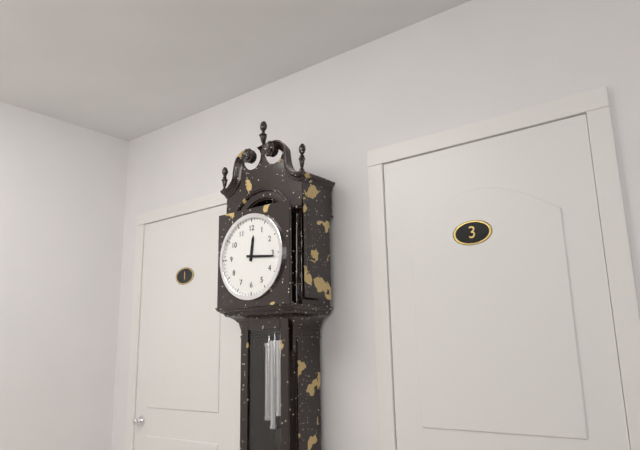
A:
12:16
